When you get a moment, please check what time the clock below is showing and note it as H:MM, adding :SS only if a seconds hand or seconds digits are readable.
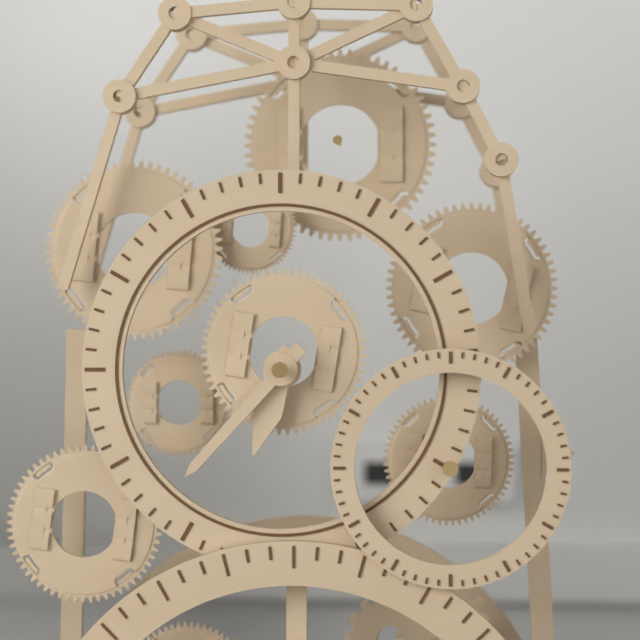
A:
6:37
